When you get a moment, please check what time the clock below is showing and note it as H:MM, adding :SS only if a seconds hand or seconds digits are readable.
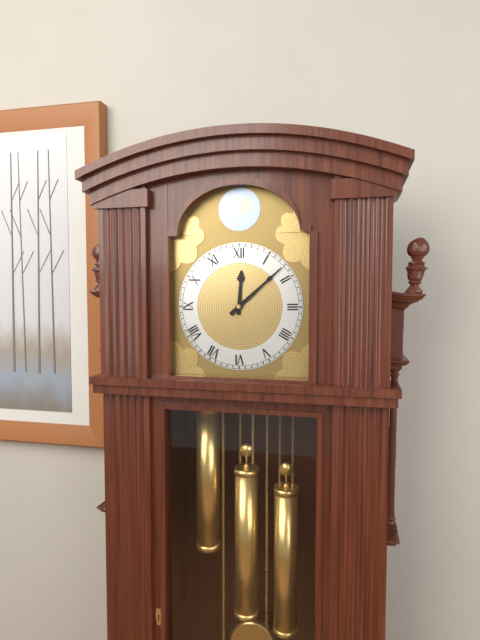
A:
12:08
